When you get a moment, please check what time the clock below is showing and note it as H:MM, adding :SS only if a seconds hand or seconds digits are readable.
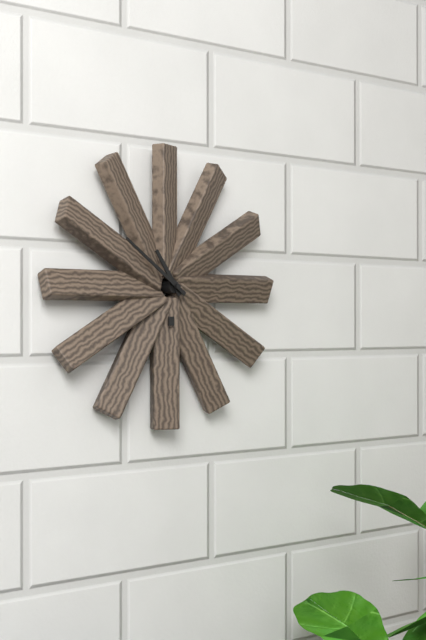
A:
10:51
